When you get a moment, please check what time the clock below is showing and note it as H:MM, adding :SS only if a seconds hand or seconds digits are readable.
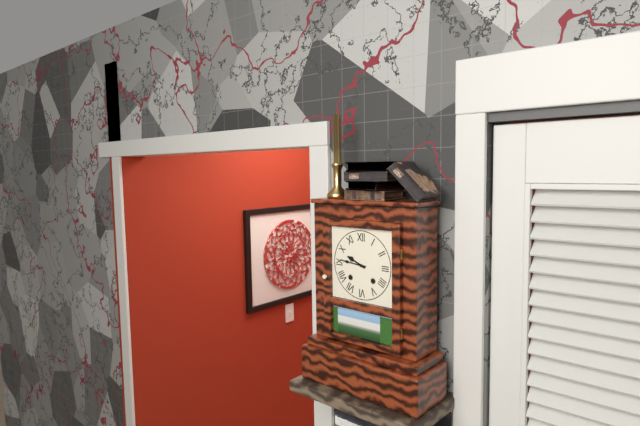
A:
9:46
